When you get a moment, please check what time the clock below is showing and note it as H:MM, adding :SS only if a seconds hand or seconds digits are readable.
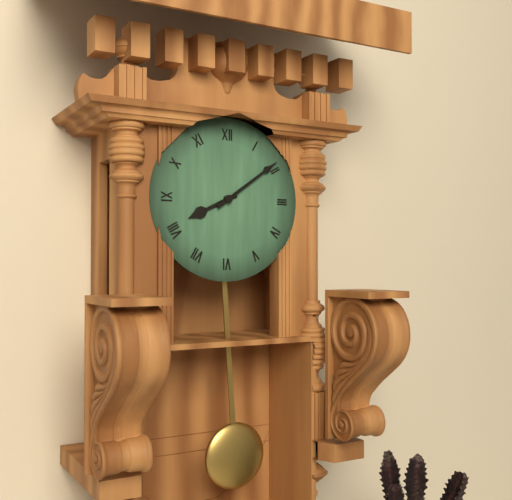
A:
8:09
